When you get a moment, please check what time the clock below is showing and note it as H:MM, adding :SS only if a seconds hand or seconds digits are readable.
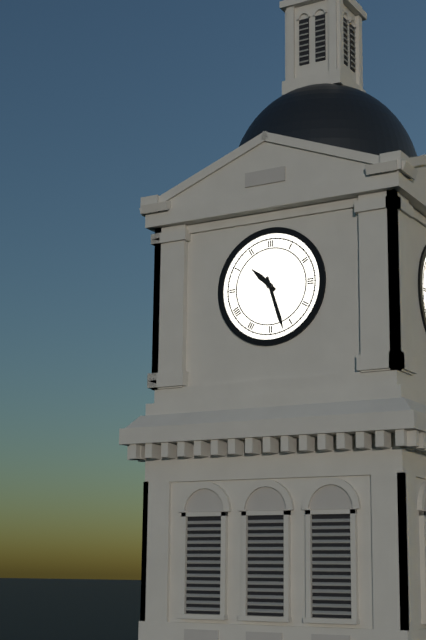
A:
10:27
